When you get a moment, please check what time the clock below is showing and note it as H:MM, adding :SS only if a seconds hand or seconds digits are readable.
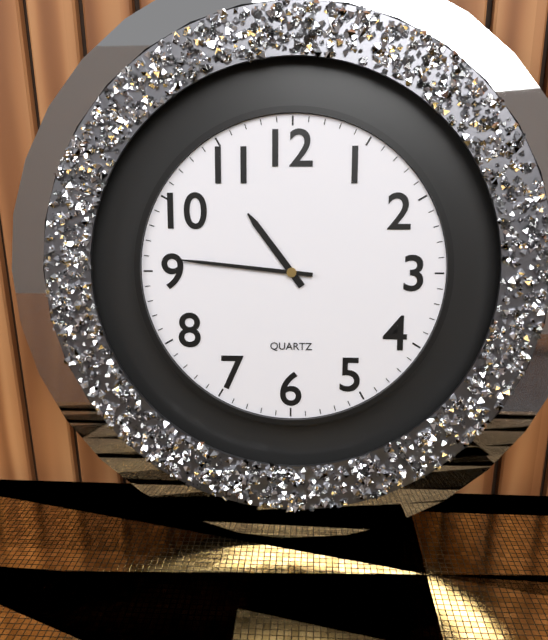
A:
10:46
